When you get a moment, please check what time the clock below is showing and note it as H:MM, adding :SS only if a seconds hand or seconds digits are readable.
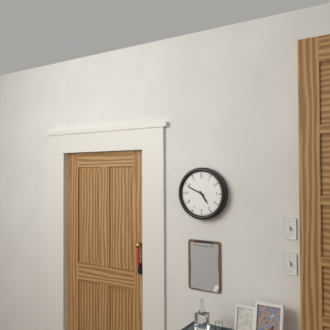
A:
4:49
